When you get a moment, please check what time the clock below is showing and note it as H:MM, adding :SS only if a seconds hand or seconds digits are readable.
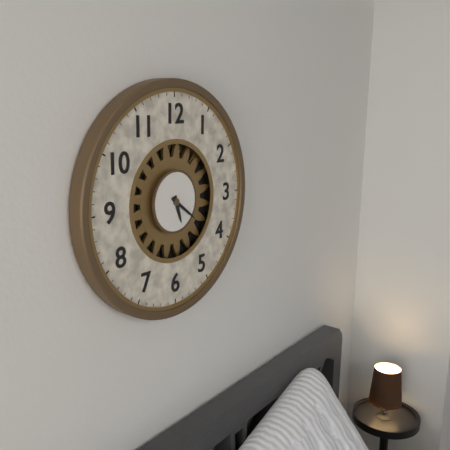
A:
5:21
